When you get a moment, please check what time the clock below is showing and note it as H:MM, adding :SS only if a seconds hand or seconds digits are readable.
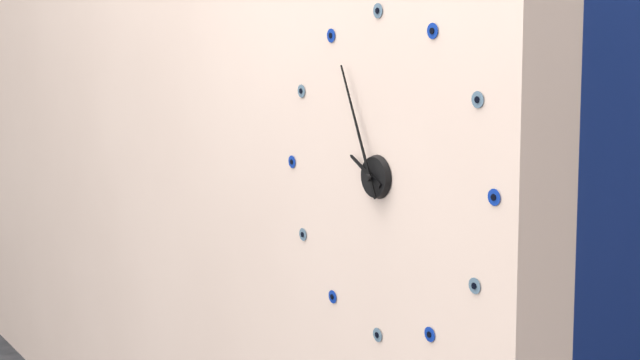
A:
9:56
